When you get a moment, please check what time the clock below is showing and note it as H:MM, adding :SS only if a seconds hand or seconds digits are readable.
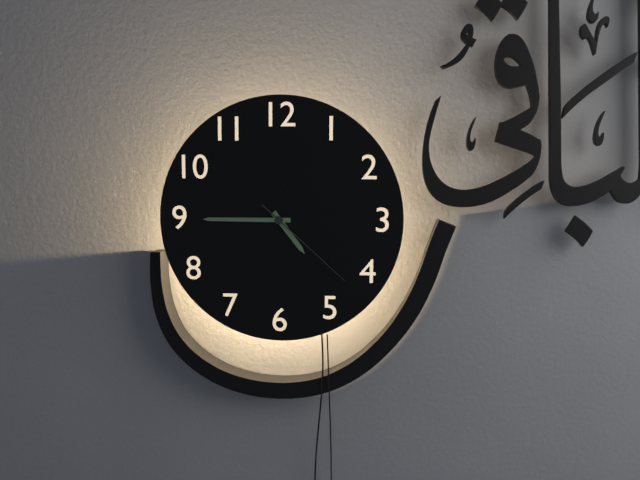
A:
4:45:22
